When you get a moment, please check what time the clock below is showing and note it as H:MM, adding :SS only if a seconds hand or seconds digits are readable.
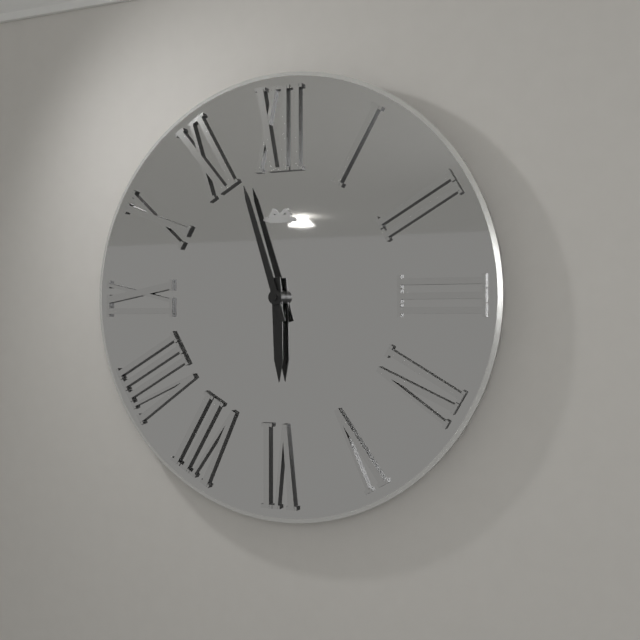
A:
5:57
